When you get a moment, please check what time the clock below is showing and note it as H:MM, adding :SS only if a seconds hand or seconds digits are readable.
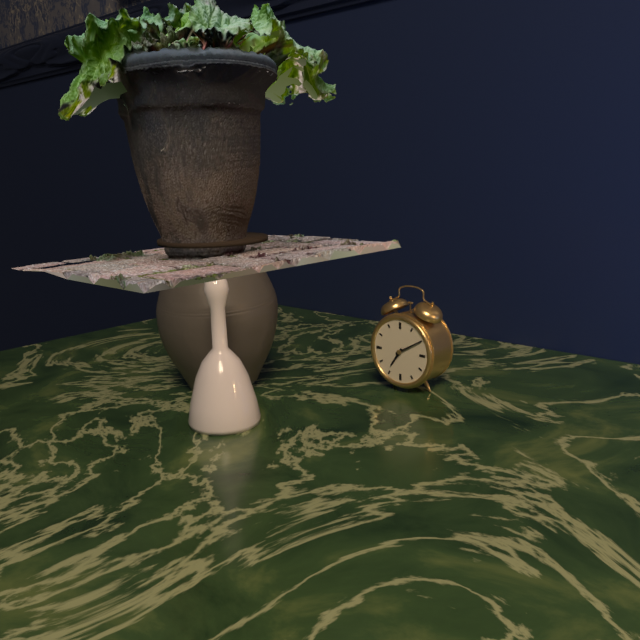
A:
7:10
